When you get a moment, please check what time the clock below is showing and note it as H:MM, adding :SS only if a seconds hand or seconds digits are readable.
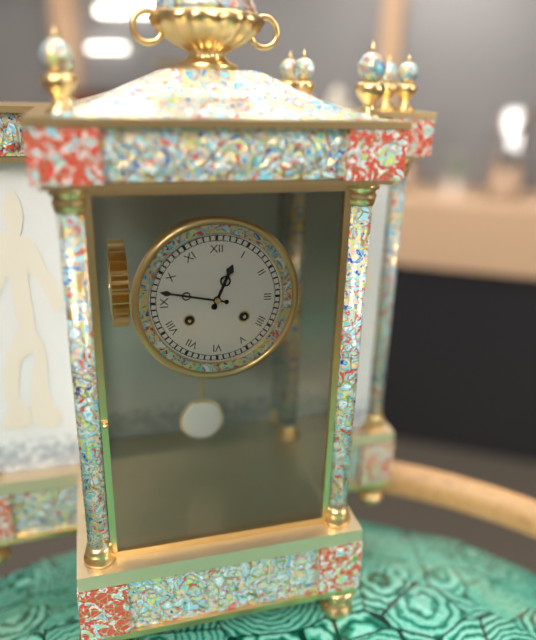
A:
12:47
